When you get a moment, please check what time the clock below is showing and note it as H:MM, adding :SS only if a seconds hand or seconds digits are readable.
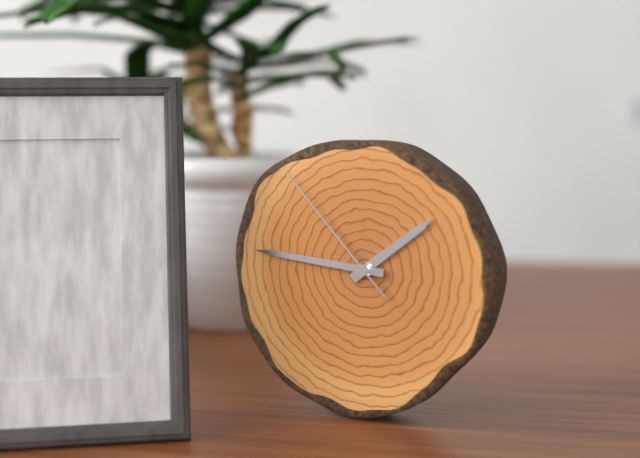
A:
1:46:53
